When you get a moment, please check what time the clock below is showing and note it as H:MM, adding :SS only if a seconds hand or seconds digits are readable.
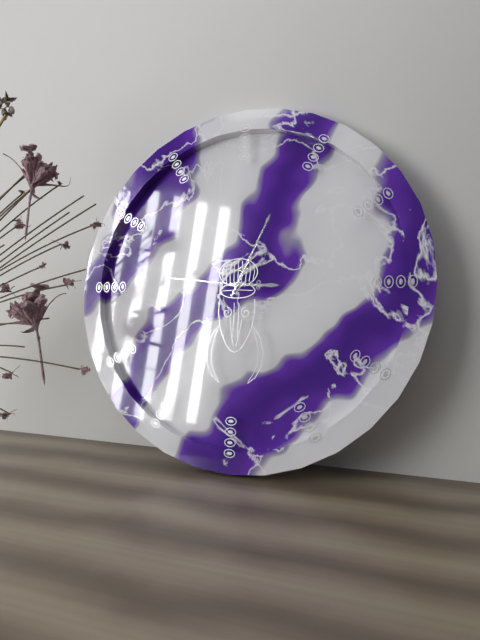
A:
3:04:46
